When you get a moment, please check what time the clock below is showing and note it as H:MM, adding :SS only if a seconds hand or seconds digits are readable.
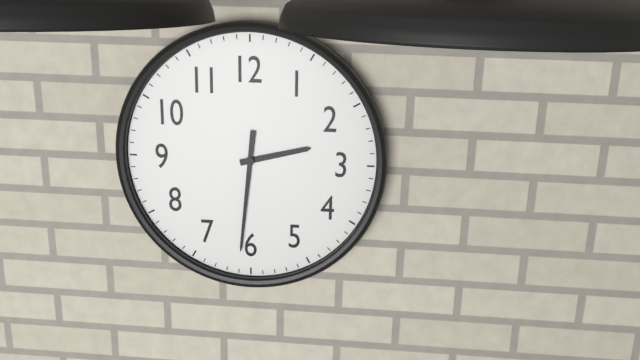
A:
2:31
